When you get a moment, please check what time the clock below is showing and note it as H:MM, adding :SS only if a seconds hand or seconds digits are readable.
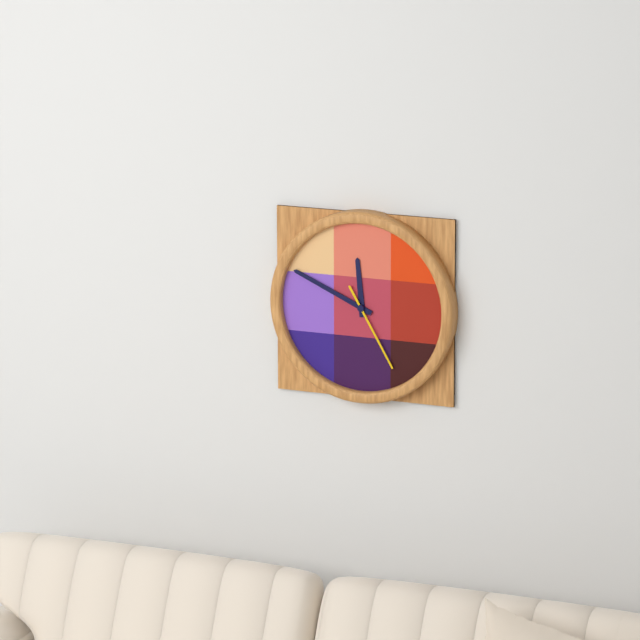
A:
11:49:25
